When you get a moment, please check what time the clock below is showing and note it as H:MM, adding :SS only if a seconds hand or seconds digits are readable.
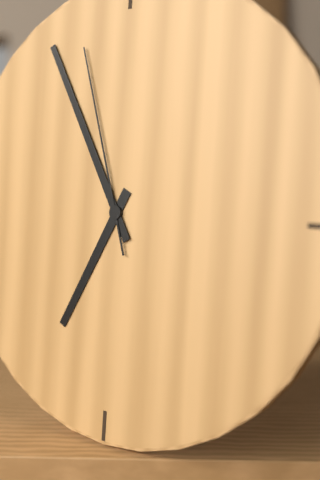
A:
6:55:57
